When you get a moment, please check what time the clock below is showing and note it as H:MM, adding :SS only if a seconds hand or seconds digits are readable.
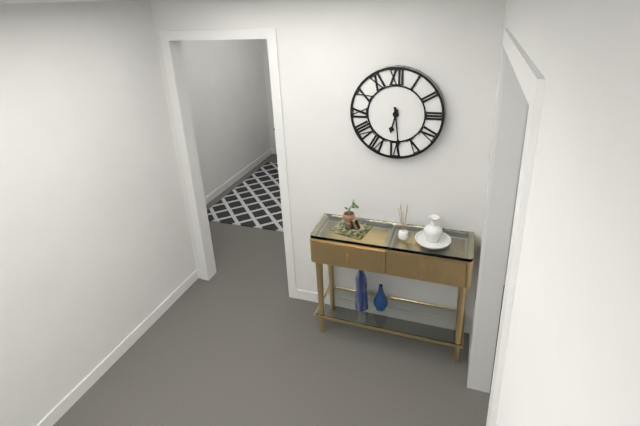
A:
6:29
